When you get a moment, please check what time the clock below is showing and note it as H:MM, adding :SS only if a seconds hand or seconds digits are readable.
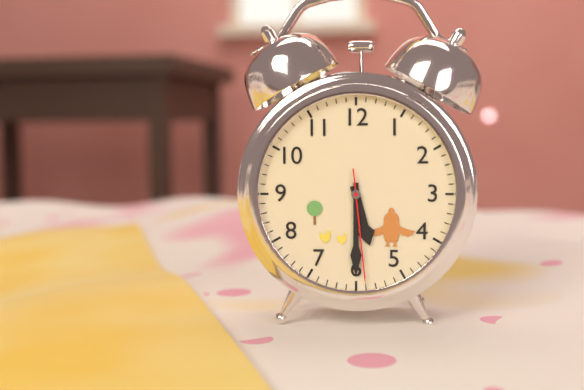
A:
5:30:29
